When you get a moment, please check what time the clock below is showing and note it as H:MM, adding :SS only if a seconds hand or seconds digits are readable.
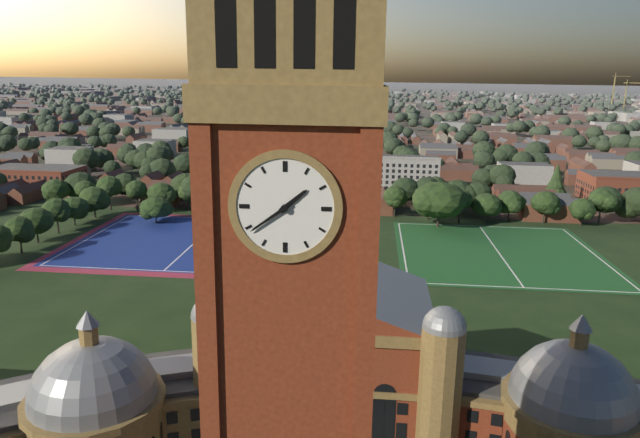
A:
1:39
